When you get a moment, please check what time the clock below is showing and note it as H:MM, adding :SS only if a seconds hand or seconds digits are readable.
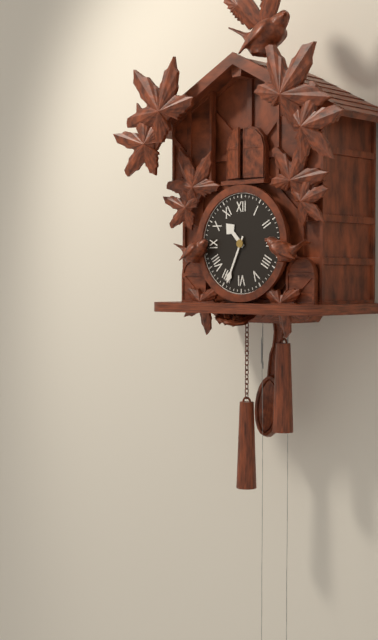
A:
10:34
